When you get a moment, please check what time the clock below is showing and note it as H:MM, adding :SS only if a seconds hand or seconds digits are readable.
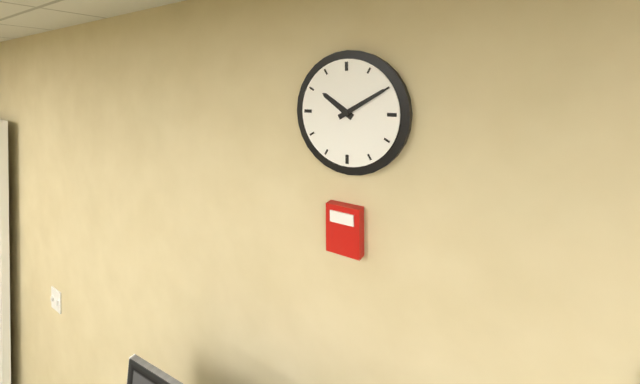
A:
10:10
